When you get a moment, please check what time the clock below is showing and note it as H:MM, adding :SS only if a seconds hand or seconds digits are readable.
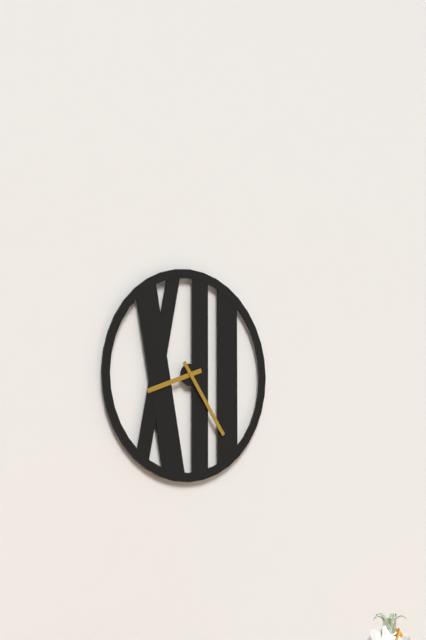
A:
8:24
